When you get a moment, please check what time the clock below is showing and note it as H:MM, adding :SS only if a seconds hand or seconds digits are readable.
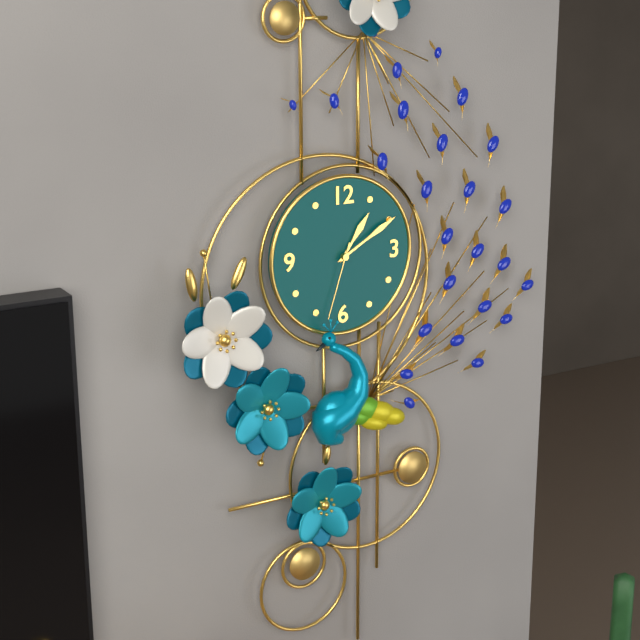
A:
1:10:33
